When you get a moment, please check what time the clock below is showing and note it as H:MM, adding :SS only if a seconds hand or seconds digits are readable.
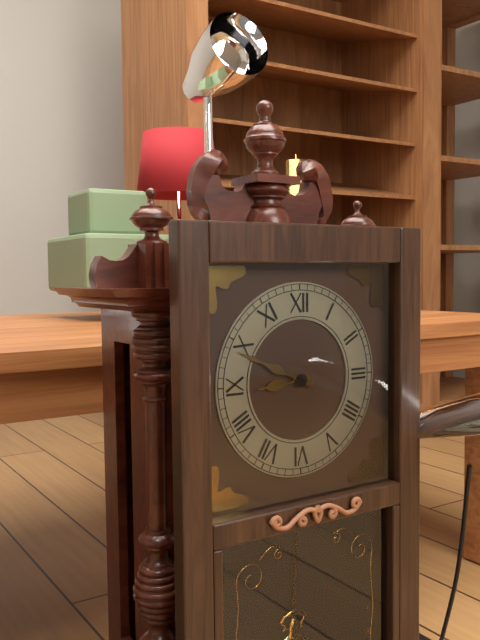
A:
8:49
